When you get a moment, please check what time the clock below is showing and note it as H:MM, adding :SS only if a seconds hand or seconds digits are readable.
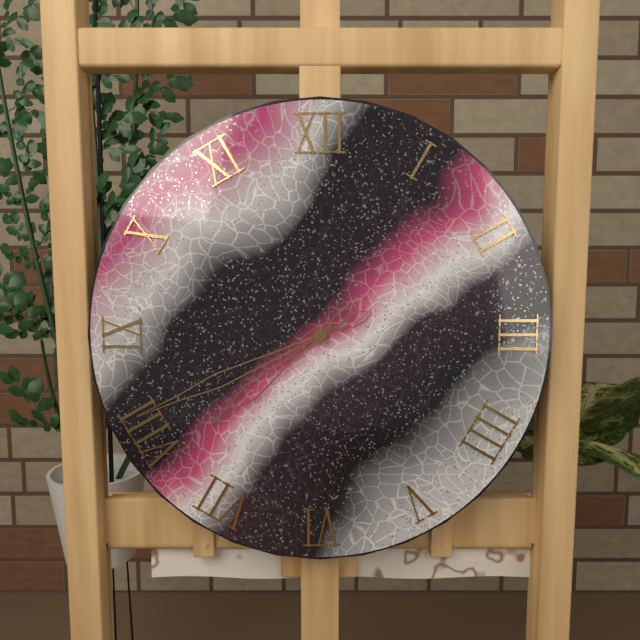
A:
7:41
